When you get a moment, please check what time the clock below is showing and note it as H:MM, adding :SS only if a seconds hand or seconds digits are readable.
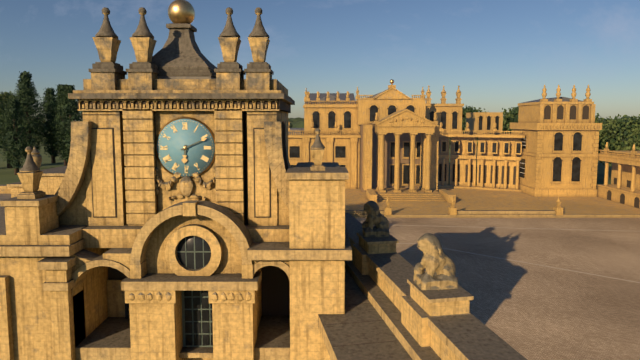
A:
6:11
